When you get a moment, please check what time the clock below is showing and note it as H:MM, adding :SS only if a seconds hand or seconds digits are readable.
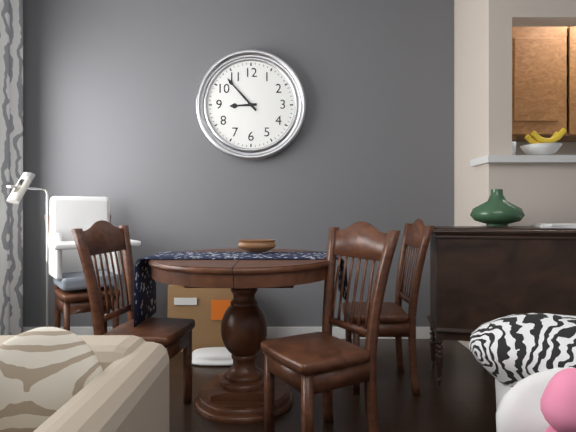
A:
8:53
